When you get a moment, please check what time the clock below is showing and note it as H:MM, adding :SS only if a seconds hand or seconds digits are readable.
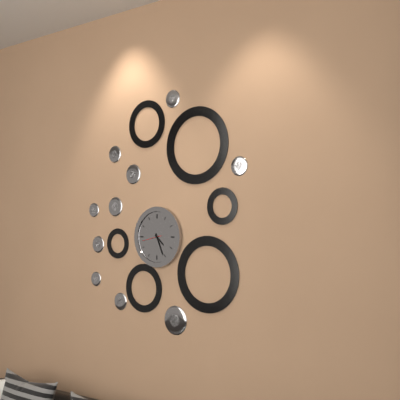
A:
4:26
